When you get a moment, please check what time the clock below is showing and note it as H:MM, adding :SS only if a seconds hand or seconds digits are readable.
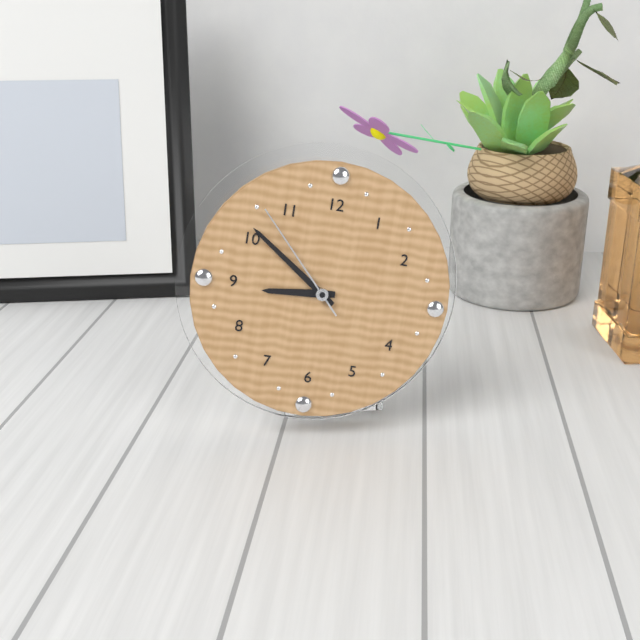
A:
8:51:53
